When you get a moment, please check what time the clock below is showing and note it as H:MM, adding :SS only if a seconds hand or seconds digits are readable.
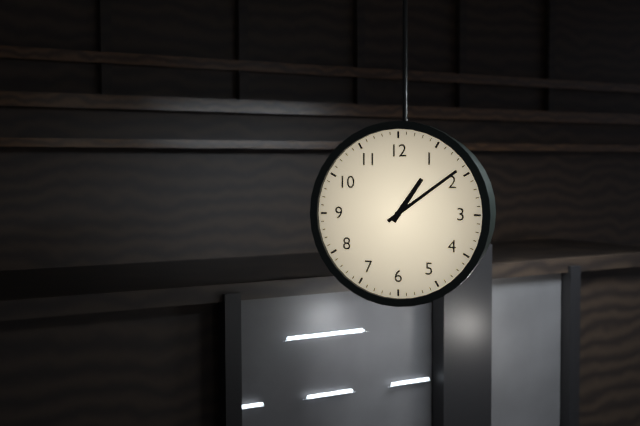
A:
1:09
